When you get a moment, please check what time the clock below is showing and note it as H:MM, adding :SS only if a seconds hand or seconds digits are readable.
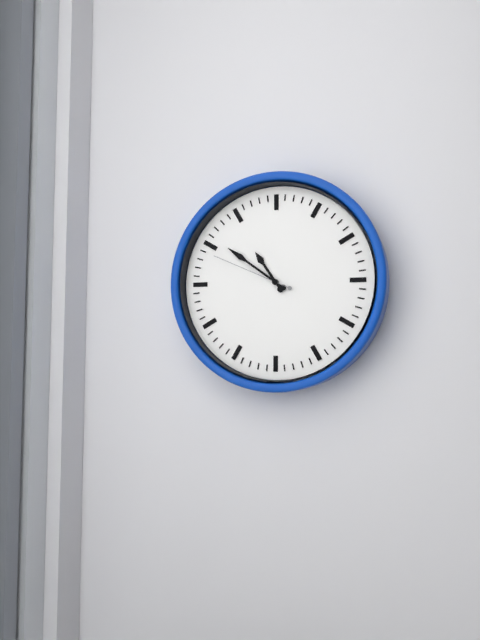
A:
10:51:49
